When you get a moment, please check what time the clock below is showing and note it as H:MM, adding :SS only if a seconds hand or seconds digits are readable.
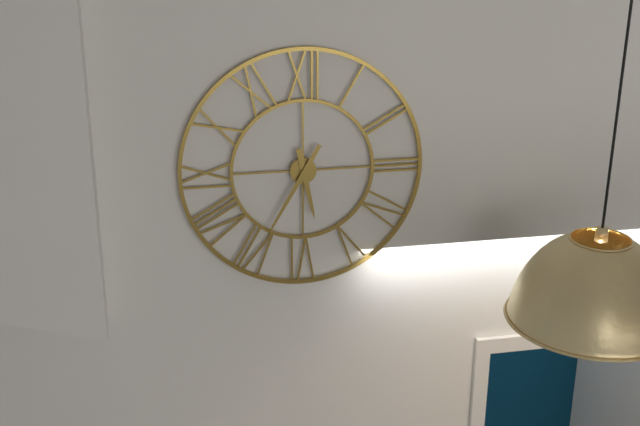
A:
5:35
